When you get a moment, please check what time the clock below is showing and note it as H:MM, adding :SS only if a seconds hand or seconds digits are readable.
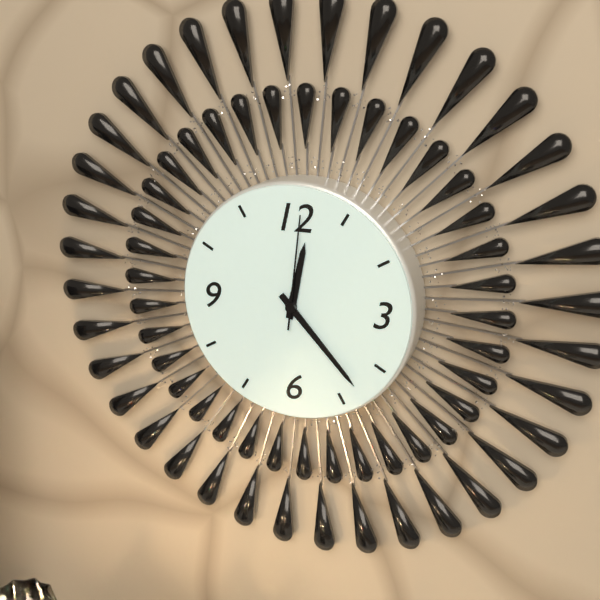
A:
12:23:01
